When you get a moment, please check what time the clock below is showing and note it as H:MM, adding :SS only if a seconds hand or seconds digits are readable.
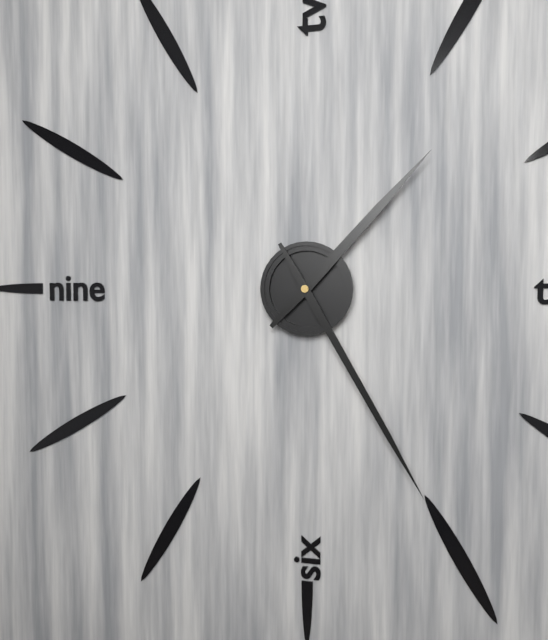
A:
1:25
